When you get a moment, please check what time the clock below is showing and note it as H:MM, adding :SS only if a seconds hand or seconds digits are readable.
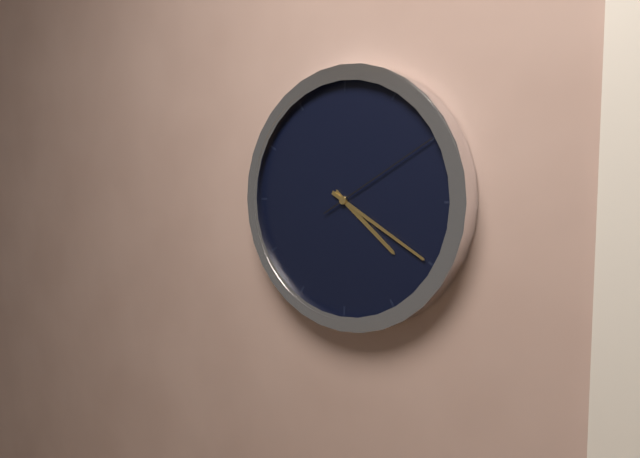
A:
4:20:10
